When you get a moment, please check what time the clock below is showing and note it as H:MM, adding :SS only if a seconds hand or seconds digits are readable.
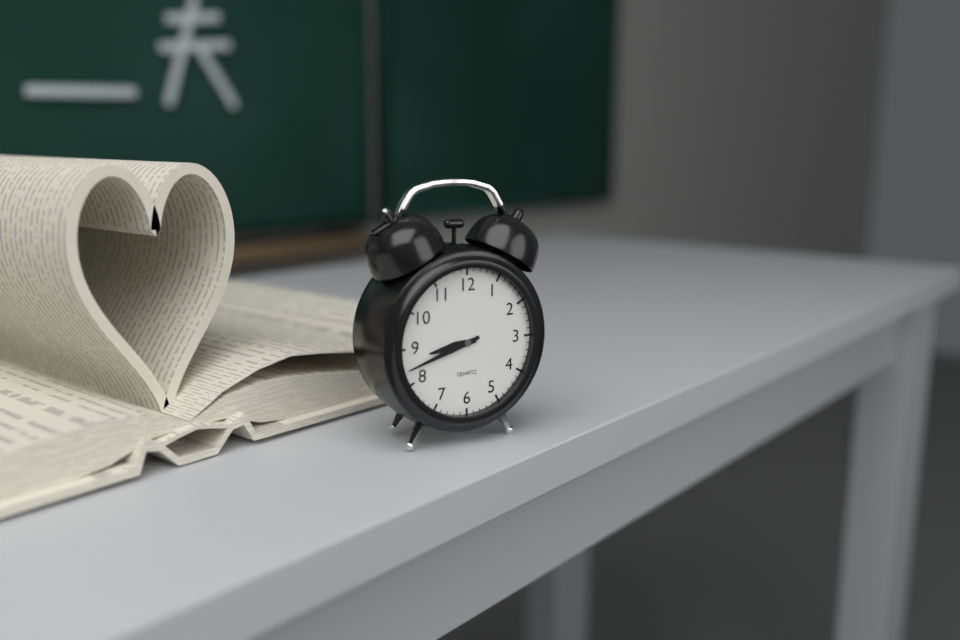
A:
8:42
